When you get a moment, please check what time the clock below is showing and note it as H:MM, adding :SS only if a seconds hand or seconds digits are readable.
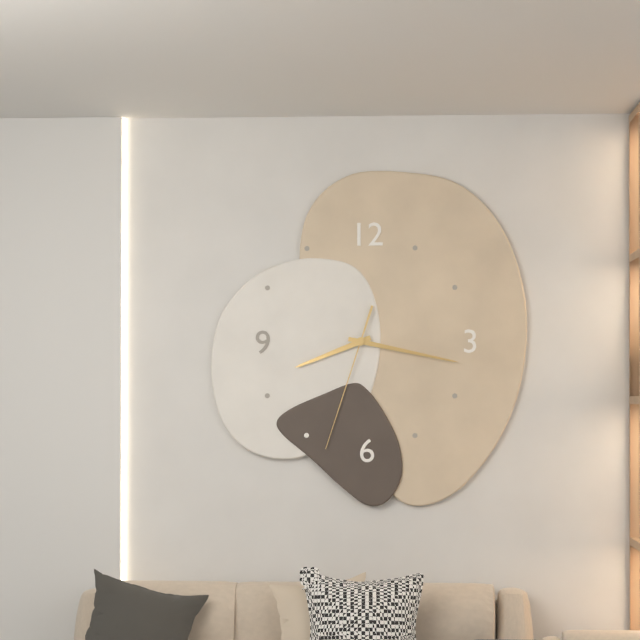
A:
8:17:33
